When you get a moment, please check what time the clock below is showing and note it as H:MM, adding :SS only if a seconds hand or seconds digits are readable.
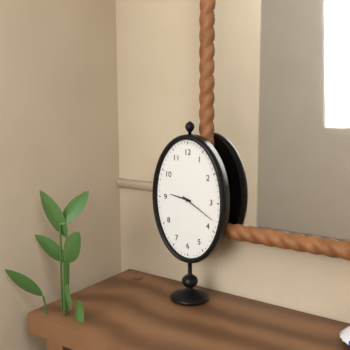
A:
9:20
